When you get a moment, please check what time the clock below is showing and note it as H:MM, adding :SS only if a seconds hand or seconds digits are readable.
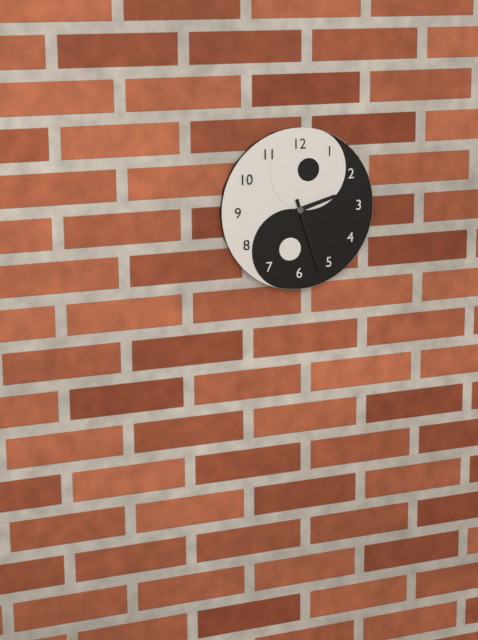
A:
2:27
